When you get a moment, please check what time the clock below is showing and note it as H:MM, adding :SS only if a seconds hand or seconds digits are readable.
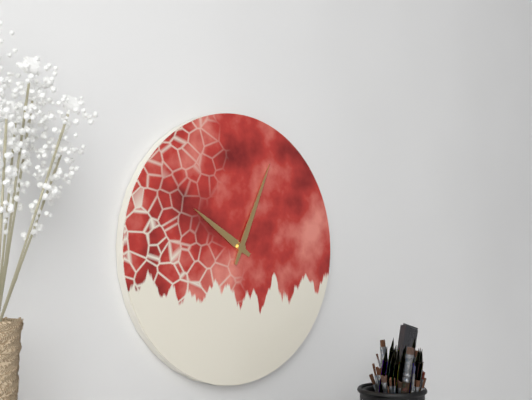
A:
10:04
